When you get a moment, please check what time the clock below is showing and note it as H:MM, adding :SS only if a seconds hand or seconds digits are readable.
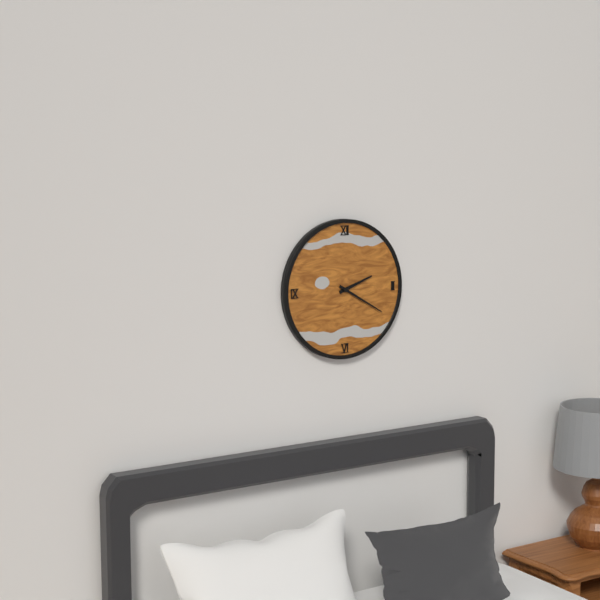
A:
2:20
